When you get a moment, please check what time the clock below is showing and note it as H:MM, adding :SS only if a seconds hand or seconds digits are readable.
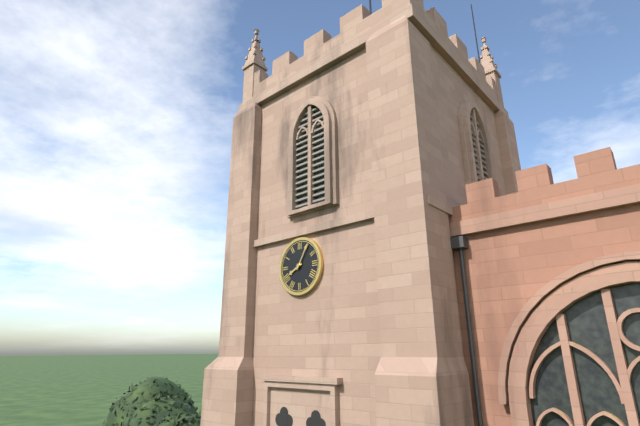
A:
8:05
